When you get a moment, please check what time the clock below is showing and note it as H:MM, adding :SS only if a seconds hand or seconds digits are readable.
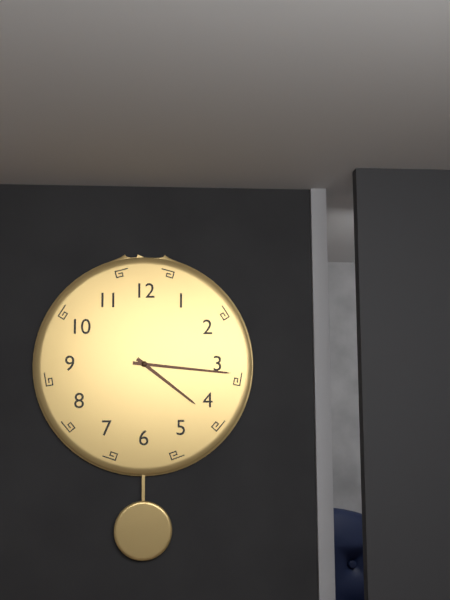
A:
4:16
